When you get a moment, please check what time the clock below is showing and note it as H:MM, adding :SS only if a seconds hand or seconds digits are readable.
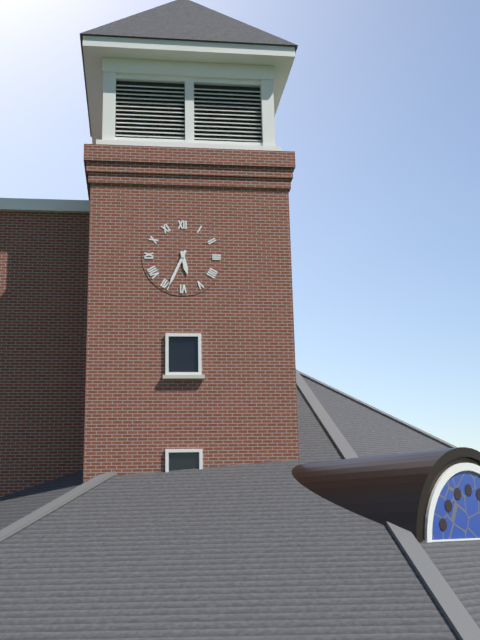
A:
5:34
